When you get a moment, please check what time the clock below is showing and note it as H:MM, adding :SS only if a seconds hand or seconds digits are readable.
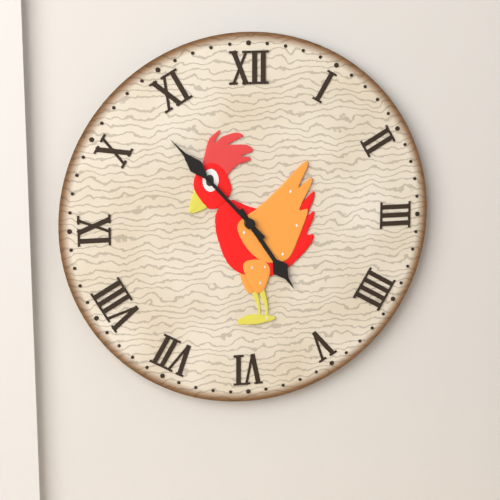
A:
4:53
